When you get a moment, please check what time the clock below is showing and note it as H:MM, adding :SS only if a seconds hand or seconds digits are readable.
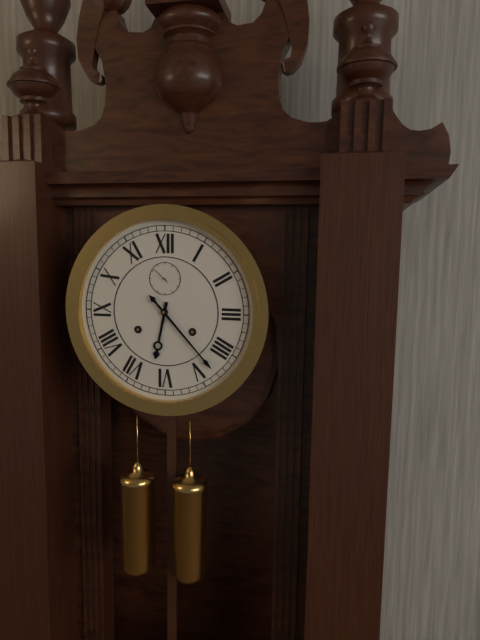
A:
6:23
